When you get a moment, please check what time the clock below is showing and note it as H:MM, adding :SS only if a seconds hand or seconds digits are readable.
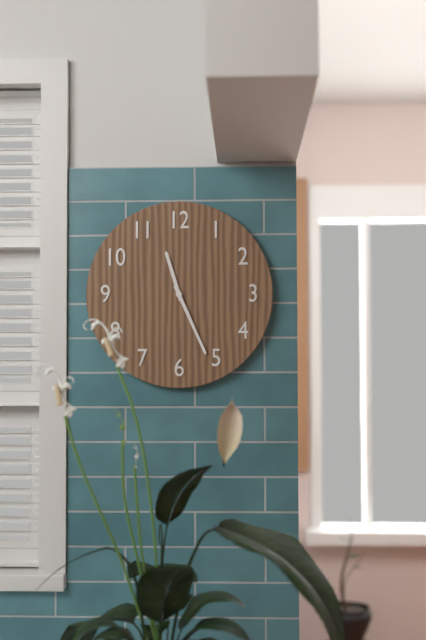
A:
11:26
